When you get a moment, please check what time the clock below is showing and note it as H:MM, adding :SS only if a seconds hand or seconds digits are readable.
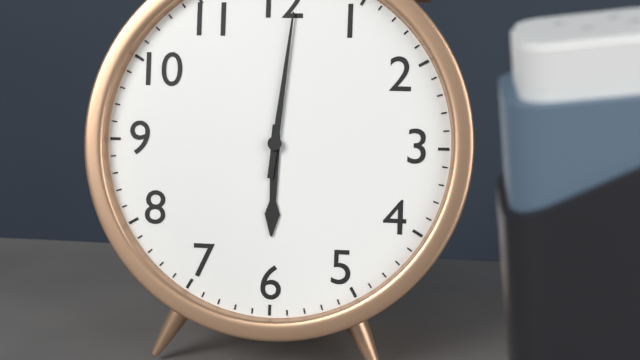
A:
6:01
